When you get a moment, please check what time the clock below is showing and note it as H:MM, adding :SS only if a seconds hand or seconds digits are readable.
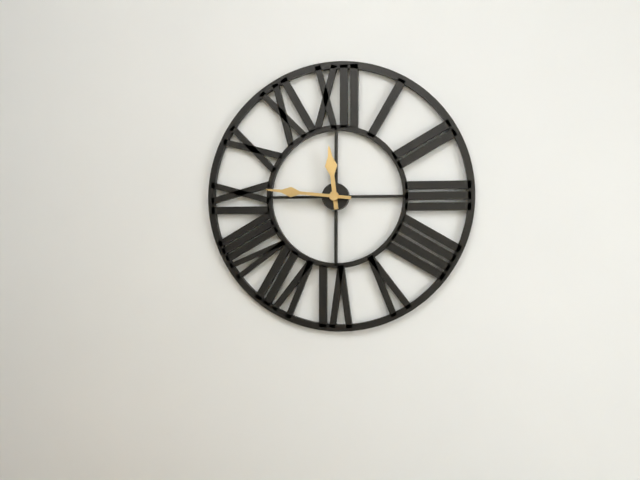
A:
11:46
